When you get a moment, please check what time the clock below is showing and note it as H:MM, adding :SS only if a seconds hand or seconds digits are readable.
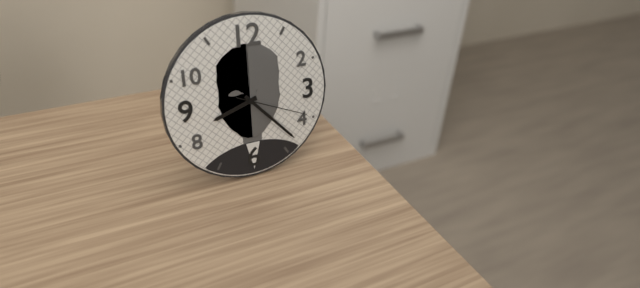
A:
8:23:19
